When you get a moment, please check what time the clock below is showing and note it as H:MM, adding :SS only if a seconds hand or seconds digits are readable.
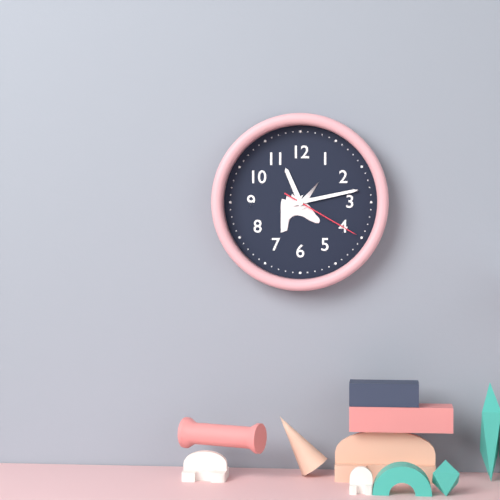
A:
11:13:20
